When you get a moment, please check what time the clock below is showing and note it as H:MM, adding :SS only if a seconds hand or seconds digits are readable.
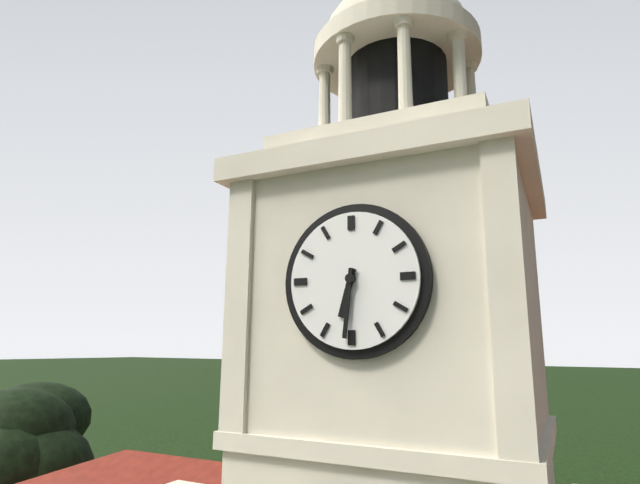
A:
6:31
